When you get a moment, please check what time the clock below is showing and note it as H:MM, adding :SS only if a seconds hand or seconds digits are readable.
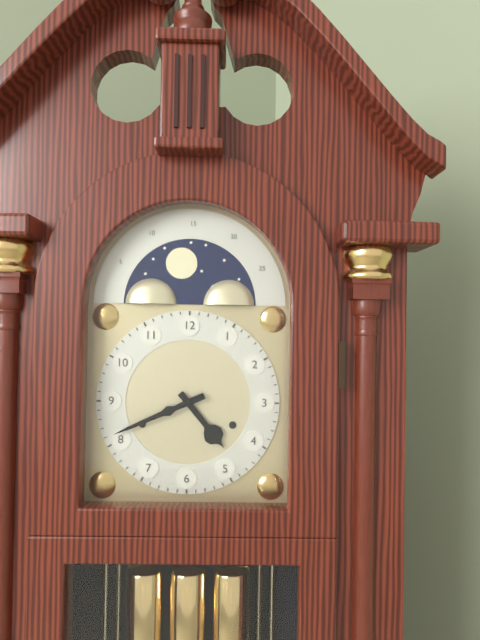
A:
4:41
